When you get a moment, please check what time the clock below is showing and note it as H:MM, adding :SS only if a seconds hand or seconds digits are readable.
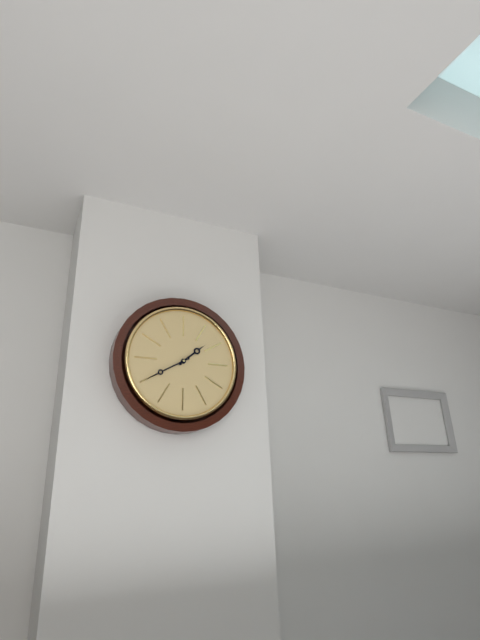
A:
1:40
